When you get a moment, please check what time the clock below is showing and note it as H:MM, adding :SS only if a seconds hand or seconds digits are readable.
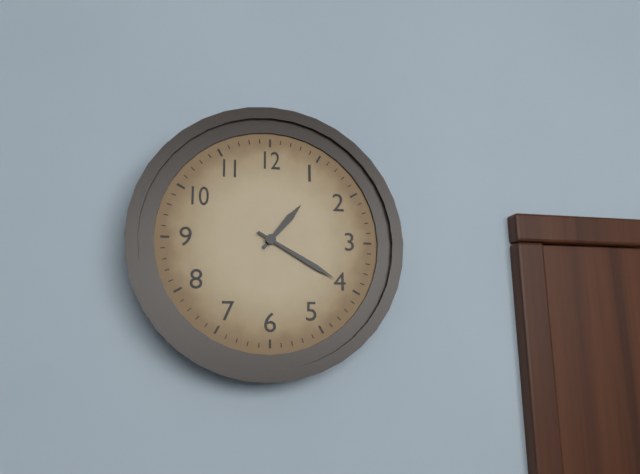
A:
1:20
